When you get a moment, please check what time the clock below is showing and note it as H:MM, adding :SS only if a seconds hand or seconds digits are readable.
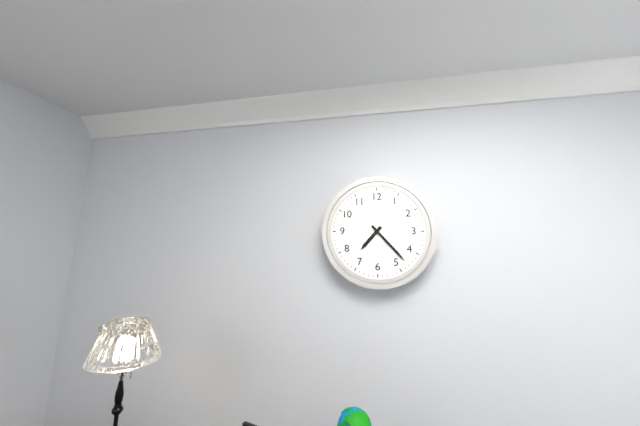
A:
7:23
